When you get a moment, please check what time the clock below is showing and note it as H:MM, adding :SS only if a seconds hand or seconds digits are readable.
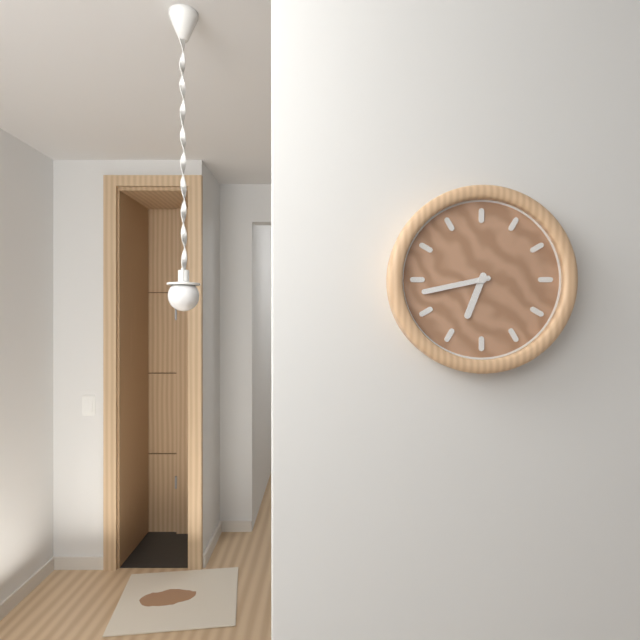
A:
6:43
